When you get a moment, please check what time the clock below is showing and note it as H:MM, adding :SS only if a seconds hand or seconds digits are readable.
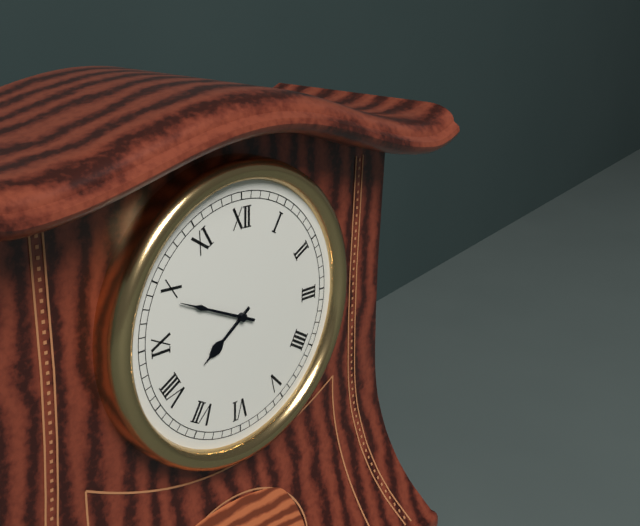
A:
7:49
